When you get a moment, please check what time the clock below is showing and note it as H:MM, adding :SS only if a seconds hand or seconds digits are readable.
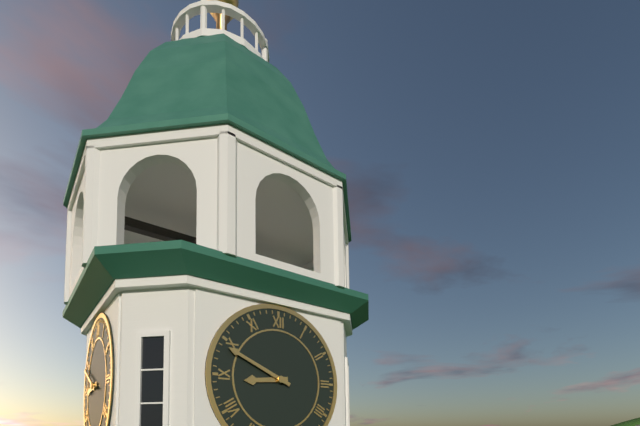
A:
8:49
